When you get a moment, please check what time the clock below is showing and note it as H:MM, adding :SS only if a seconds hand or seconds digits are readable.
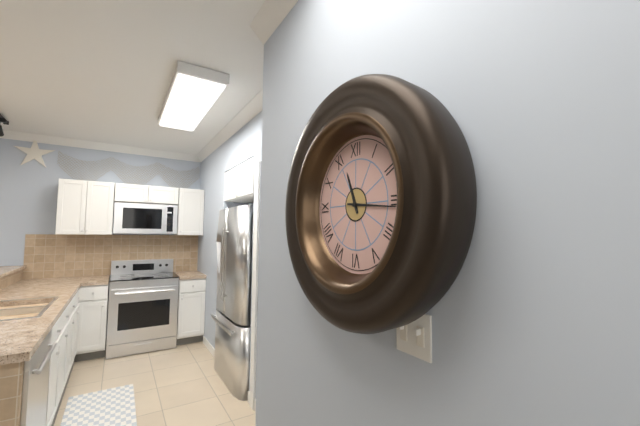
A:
11:16
